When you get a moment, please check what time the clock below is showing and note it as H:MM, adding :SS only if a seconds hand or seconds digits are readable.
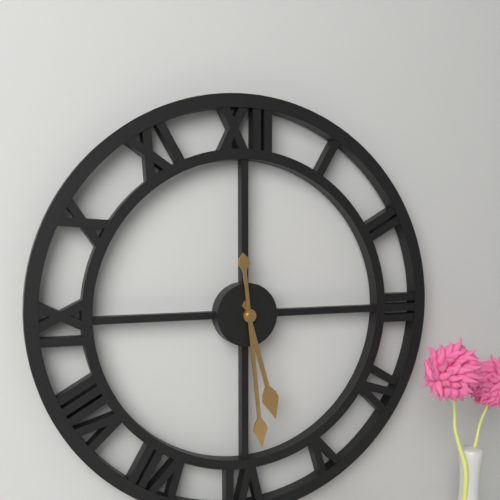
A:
5:29
